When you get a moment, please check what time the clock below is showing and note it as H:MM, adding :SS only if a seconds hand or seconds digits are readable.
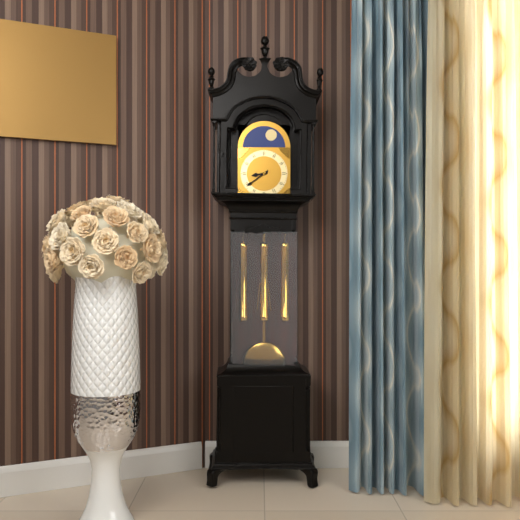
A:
8:39
